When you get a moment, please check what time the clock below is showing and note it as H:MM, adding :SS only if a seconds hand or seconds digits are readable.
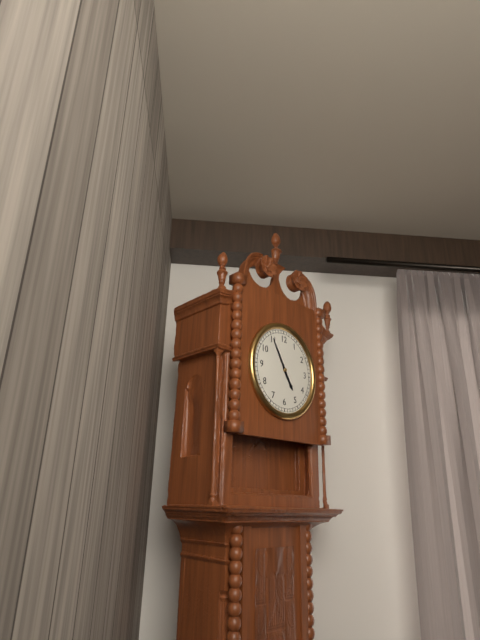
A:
4:55
